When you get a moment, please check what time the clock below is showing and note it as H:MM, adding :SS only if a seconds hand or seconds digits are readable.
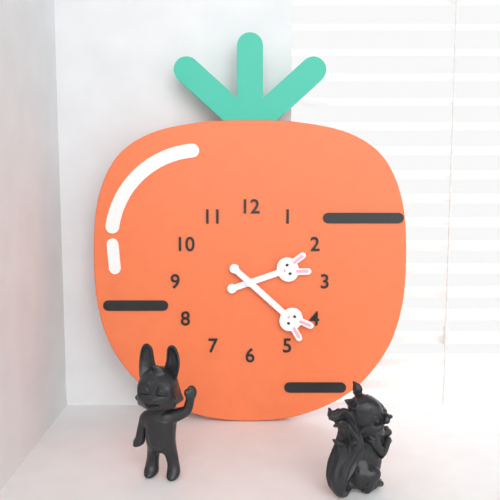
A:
2:22
